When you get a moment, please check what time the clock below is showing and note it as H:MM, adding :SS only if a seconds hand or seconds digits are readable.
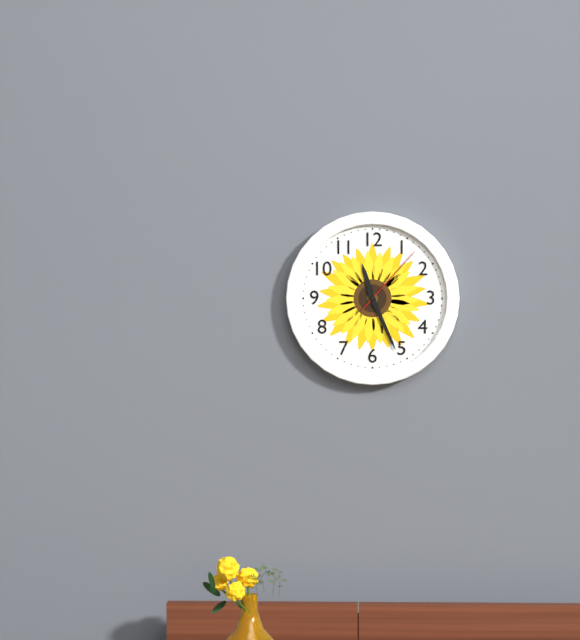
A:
11:26:07
